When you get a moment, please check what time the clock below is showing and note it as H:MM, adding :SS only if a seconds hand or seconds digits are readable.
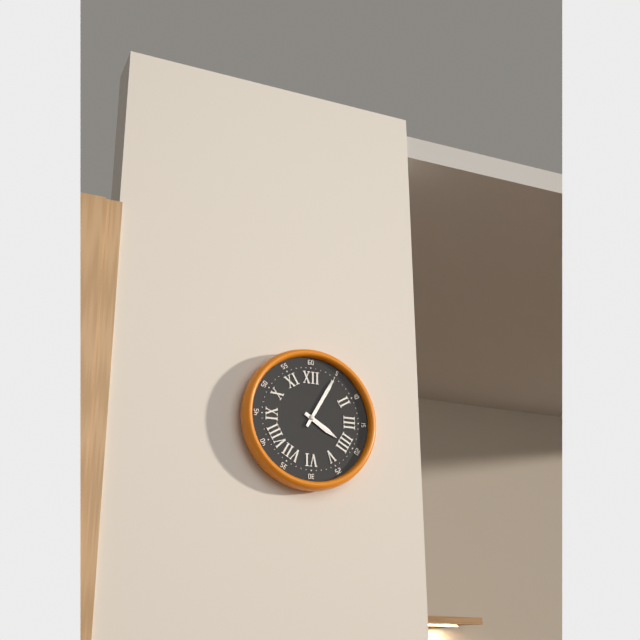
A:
4:05
